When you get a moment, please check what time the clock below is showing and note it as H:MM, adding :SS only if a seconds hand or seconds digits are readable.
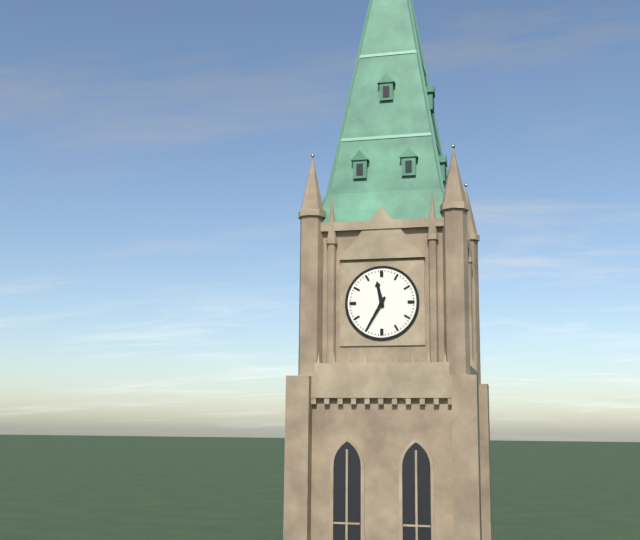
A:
11:35
